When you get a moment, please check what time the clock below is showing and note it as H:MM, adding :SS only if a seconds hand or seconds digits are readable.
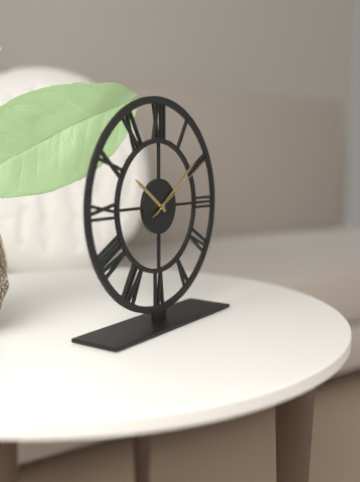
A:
10:09:10
